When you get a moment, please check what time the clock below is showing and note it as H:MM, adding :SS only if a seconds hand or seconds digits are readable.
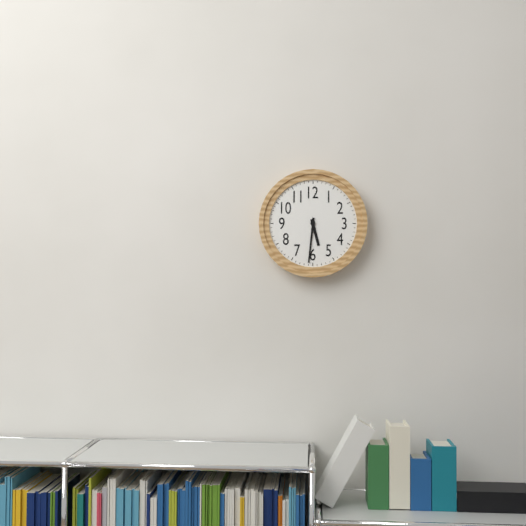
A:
5:31
